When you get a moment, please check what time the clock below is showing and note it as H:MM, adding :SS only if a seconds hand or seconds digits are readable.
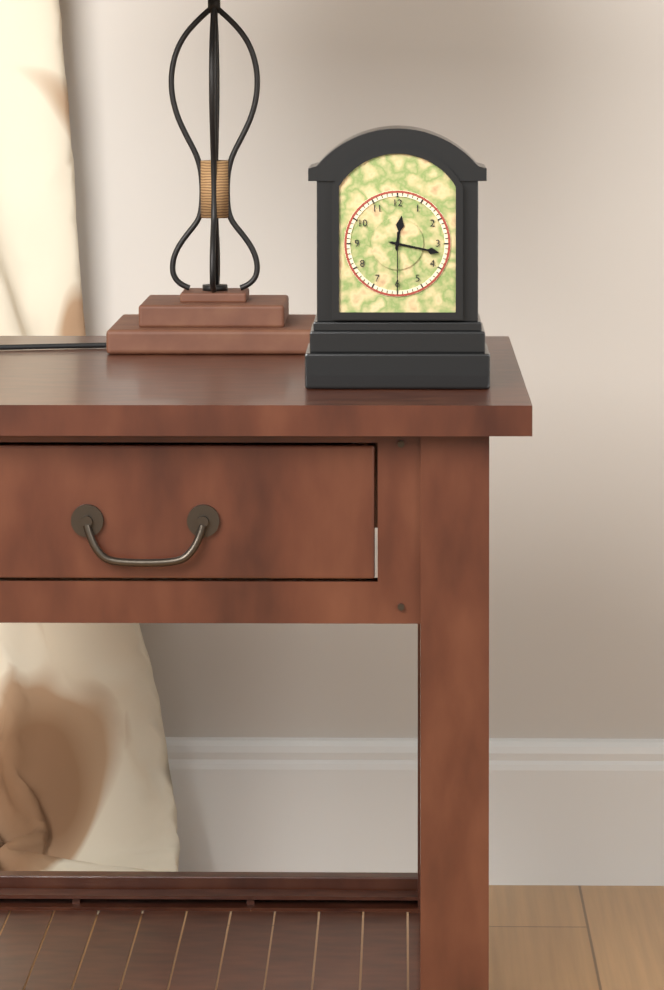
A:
12:17:30
